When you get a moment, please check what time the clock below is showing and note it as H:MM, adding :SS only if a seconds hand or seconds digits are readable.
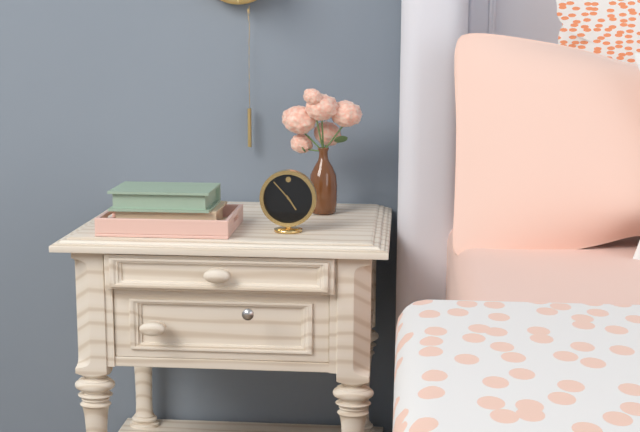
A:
4:53
